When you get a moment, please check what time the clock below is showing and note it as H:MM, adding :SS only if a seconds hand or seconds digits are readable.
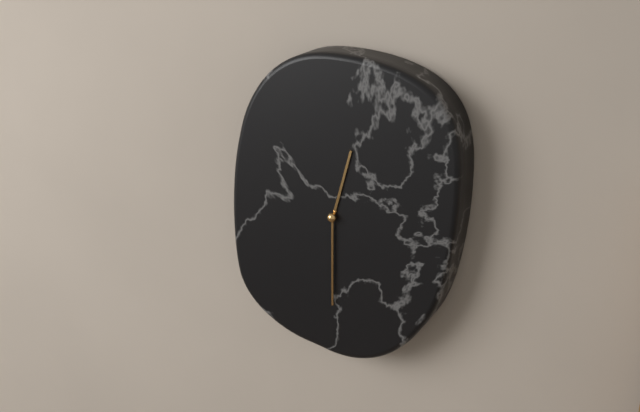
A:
12:30
